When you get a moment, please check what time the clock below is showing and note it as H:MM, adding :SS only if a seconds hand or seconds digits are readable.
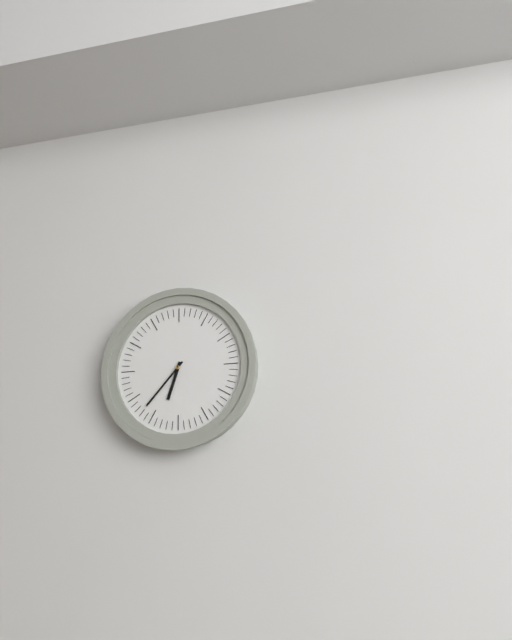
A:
6:37
